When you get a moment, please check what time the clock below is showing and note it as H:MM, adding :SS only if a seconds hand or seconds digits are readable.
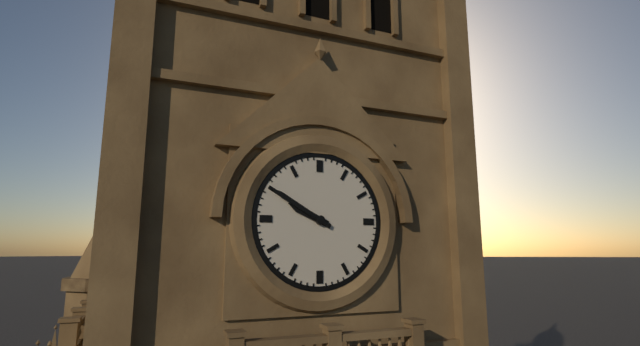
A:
9:50
